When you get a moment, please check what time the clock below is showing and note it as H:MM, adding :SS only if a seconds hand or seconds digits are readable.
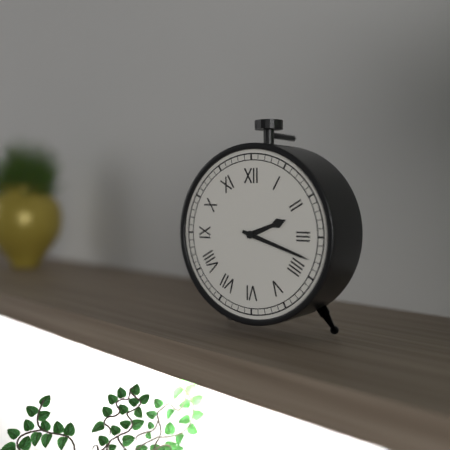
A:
2:18
